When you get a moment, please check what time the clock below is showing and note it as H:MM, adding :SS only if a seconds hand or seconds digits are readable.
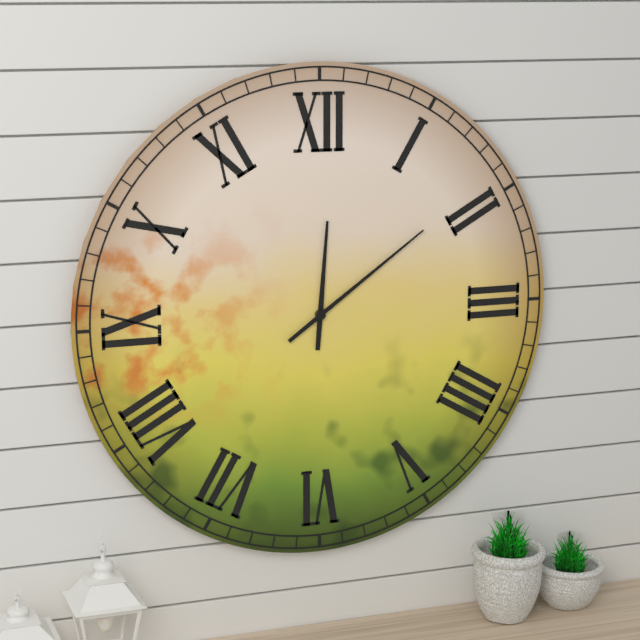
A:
12:09
